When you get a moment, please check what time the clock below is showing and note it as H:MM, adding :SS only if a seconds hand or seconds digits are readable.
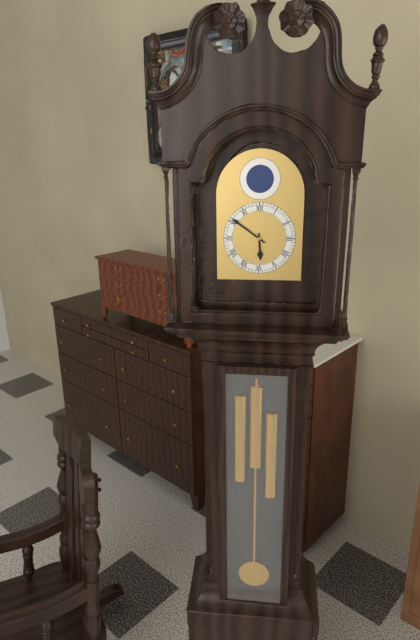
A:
5:51
